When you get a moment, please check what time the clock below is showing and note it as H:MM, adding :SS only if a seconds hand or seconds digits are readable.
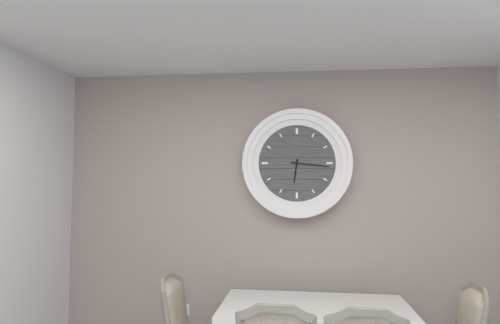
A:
6:16
